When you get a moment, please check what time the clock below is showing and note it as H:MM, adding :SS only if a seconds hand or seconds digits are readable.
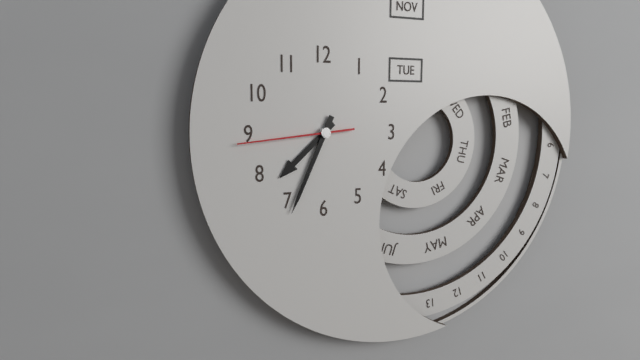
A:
7:34:44
